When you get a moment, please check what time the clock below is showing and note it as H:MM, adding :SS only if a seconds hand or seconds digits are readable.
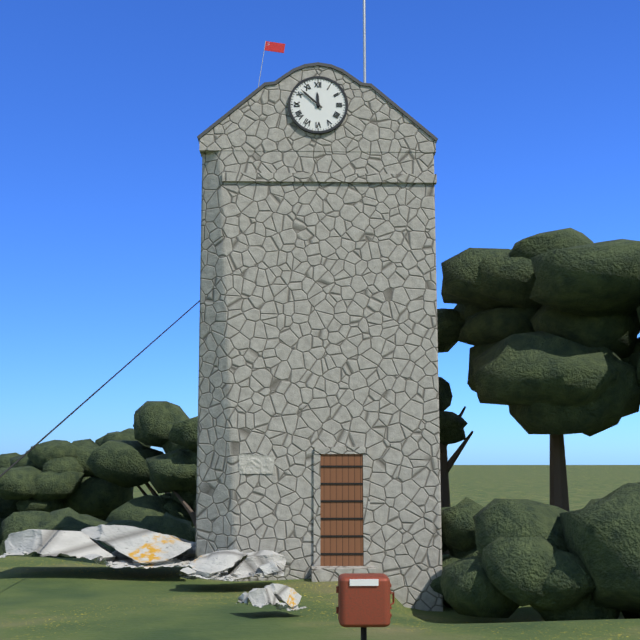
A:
11:52
